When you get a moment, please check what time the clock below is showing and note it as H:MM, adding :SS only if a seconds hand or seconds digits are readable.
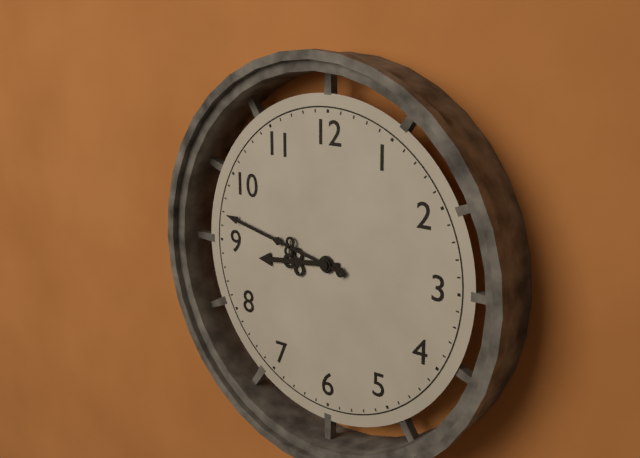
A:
8:47
